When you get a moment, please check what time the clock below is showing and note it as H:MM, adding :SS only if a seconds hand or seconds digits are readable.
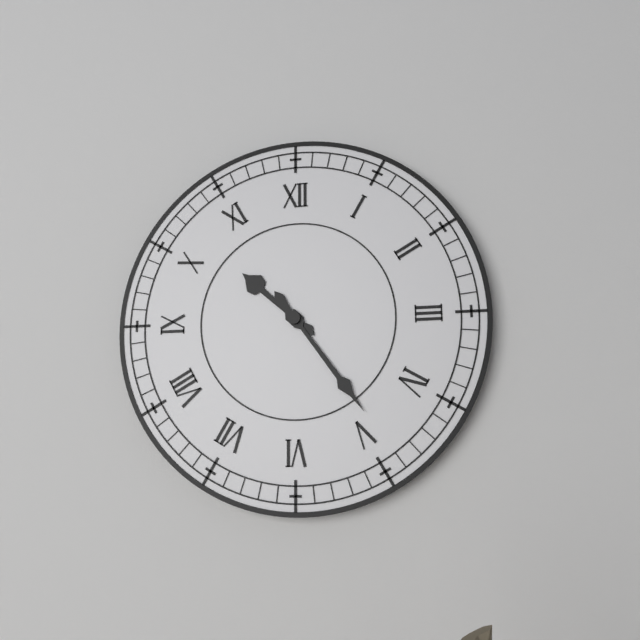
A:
10:24
